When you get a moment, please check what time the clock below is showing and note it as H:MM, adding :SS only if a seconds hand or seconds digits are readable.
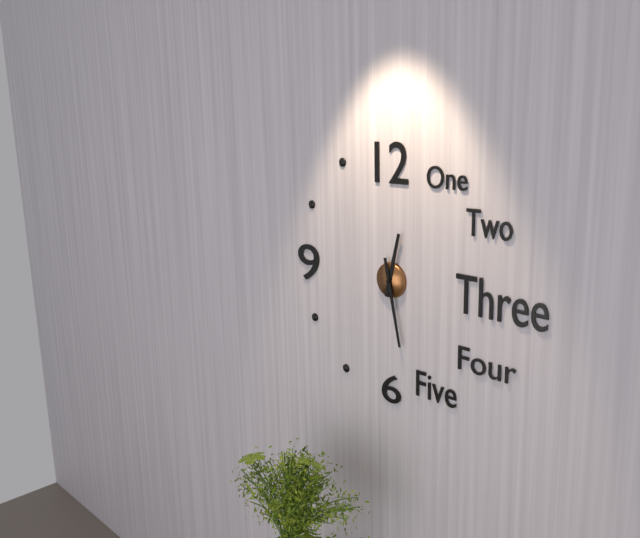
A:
12:28
